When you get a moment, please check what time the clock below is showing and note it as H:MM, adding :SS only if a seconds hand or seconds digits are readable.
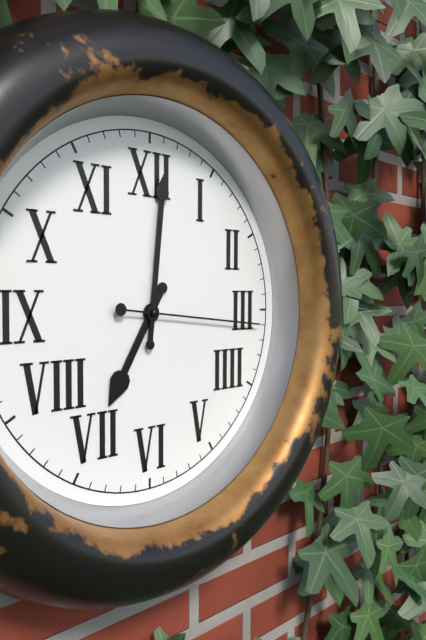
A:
7:01:16
